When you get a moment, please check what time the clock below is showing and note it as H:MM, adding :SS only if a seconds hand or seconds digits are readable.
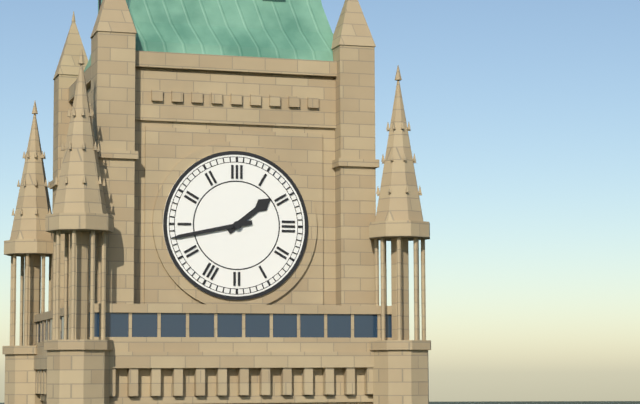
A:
1:43
